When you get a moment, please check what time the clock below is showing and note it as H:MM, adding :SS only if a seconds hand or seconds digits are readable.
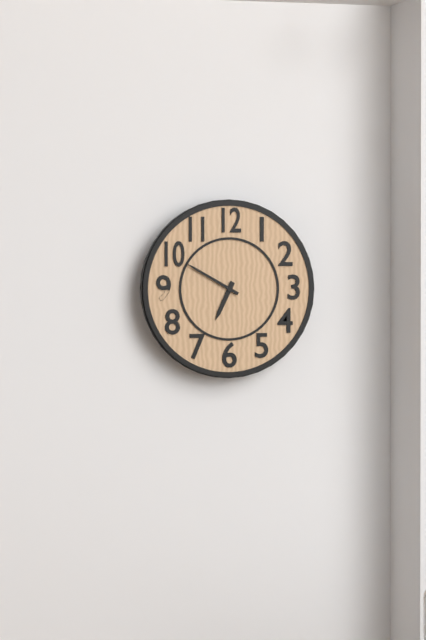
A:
6:50
